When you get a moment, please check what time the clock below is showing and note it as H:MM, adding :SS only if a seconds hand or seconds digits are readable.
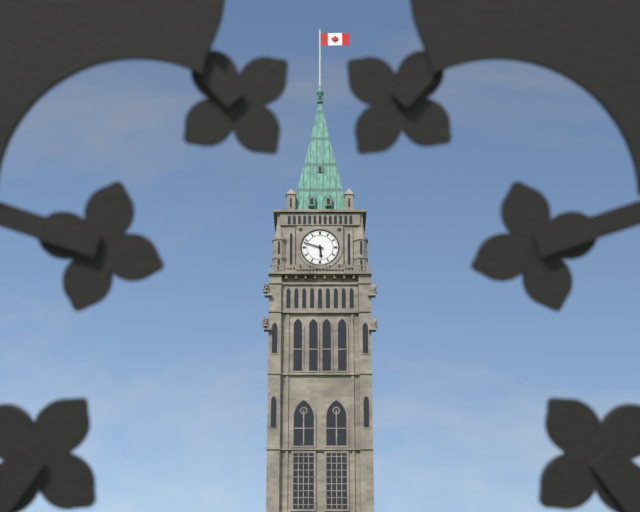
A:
5:48
